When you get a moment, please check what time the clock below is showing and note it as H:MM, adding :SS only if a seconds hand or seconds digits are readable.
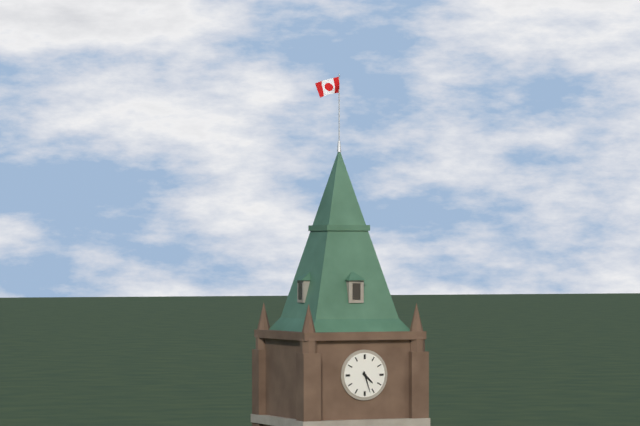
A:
4:27
